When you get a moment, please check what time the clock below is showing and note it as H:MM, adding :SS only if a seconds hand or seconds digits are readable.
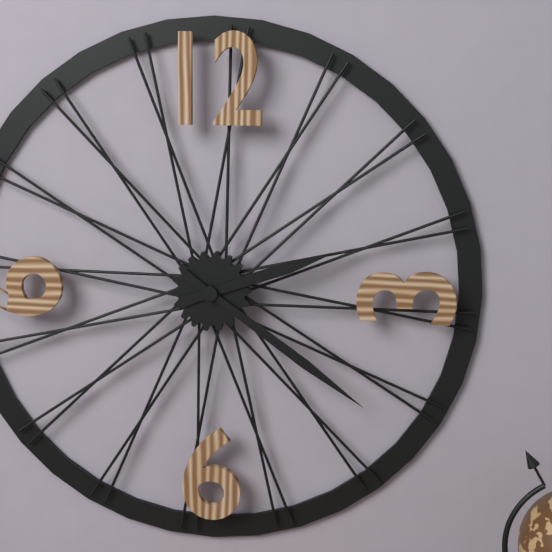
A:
2:21
